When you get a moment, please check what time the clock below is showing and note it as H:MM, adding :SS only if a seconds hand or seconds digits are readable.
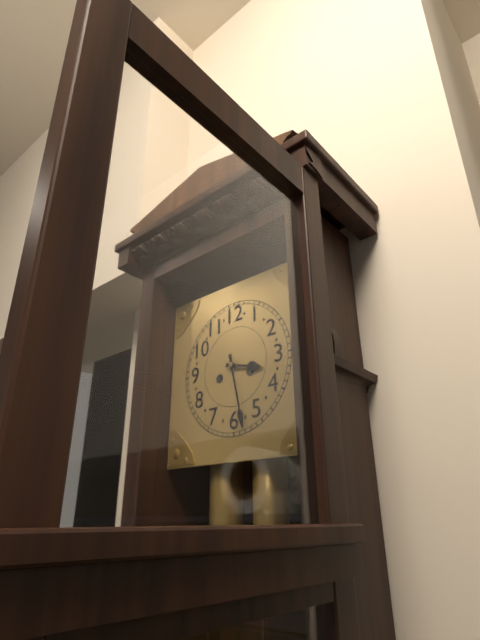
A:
3:28
